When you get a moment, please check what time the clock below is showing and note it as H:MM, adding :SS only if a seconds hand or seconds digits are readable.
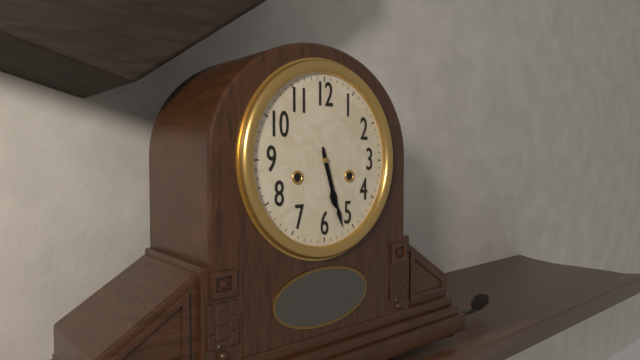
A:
5:27
